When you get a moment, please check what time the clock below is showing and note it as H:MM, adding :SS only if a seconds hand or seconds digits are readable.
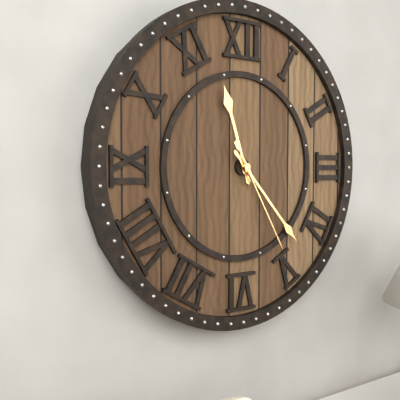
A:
11:23:25
